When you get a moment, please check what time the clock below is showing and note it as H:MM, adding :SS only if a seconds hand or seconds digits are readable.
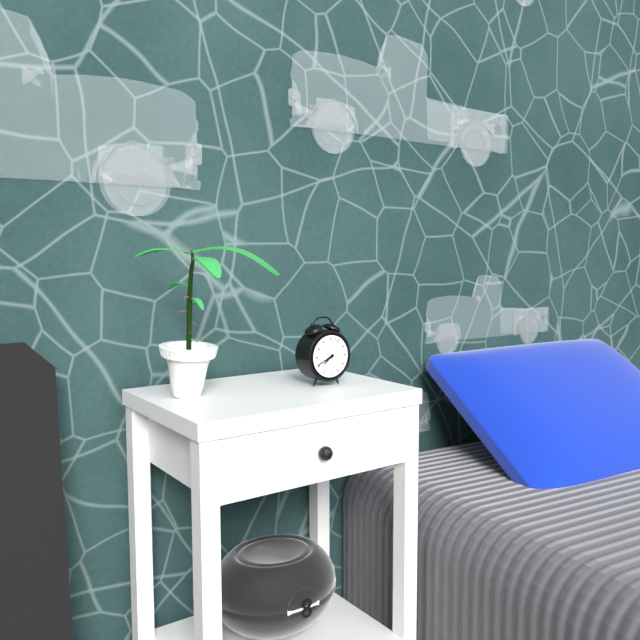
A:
7:41
